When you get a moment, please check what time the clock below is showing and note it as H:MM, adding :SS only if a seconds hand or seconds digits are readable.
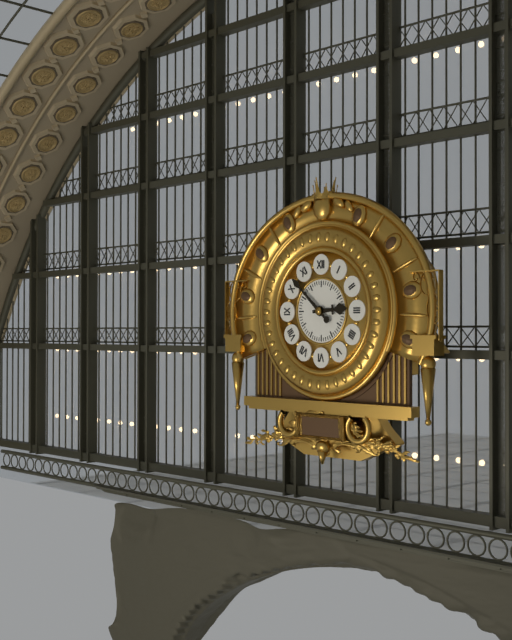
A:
2:52
